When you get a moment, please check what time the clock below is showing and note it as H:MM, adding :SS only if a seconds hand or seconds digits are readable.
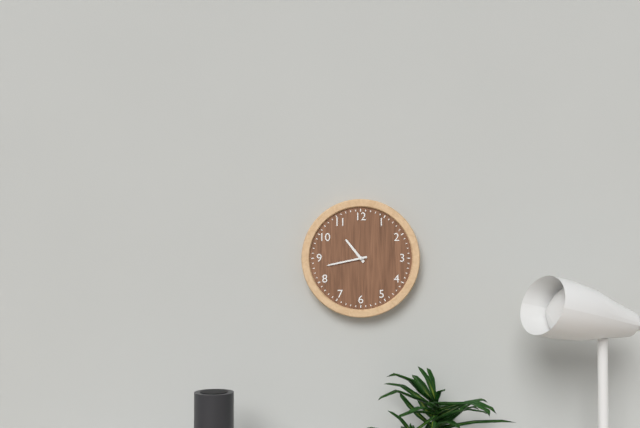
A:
10:43
